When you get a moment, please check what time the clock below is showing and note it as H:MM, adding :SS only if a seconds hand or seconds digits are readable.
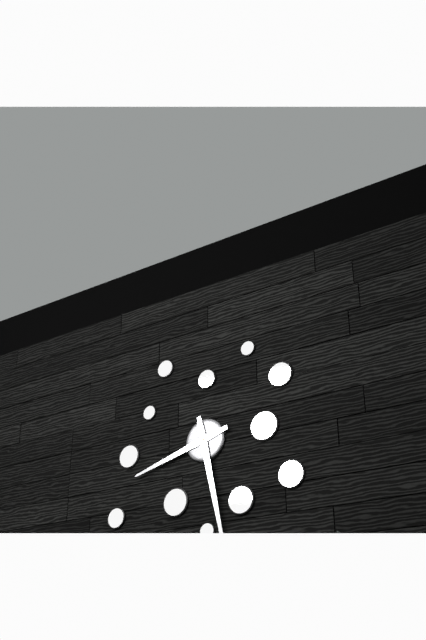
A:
8:28
